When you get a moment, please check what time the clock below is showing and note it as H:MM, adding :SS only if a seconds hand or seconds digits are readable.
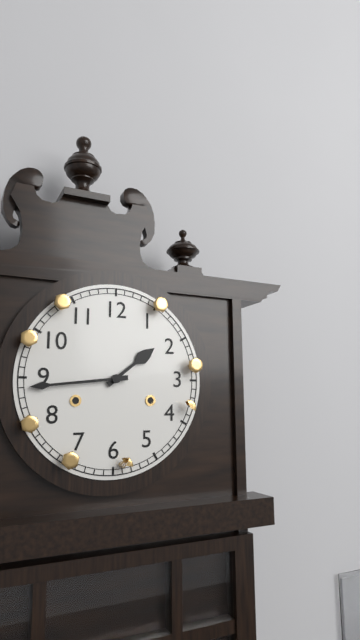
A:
1:44
